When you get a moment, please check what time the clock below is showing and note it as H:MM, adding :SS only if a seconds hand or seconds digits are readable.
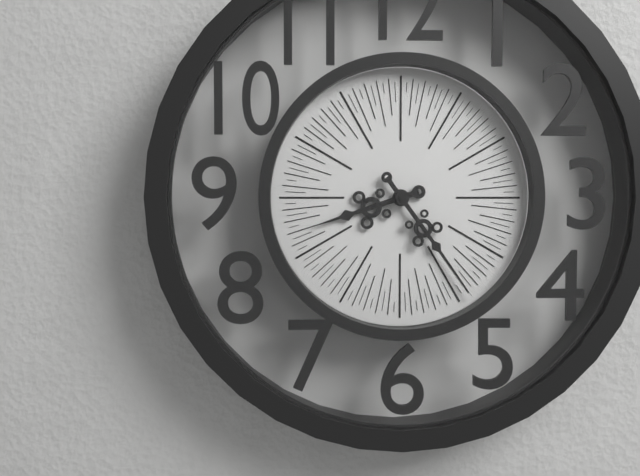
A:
8:24
